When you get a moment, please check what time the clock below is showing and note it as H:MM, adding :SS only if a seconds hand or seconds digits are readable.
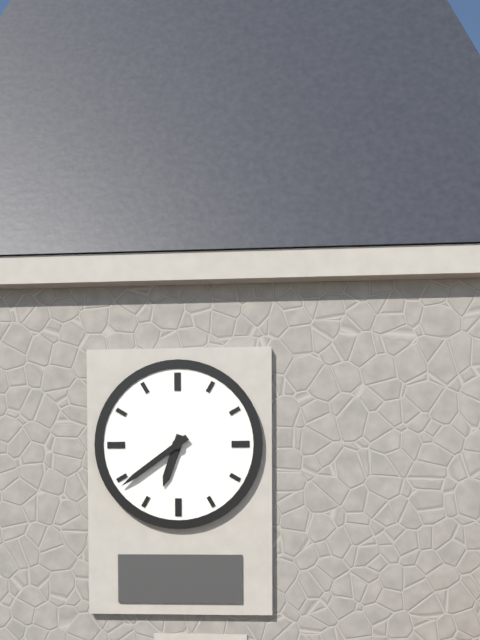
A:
6:39
